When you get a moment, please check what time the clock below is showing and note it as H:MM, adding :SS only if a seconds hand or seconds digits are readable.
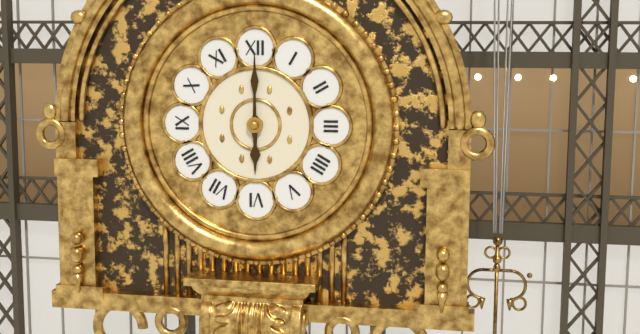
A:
6:00
